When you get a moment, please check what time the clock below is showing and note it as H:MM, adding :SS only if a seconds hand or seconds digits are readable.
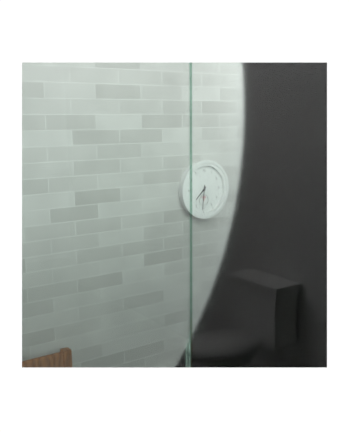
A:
7:31
